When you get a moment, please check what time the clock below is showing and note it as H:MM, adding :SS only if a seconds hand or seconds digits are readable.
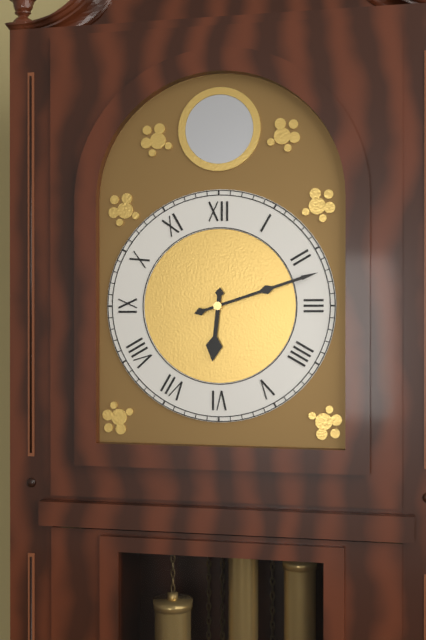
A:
6:12
